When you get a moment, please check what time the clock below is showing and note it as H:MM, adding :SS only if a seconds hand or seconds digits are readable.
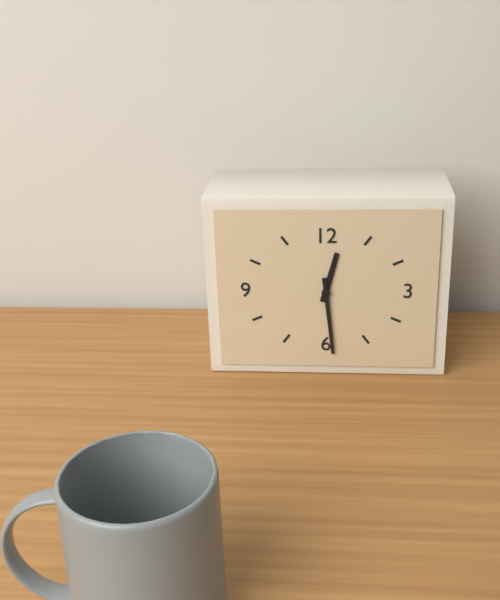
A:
12:29
